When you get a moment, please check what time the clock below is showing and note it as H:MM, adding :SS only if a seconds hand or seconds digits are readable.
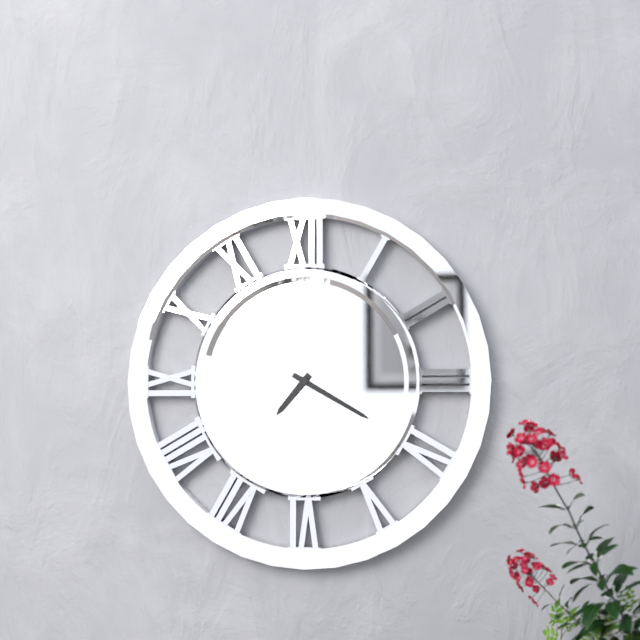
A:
7:20
